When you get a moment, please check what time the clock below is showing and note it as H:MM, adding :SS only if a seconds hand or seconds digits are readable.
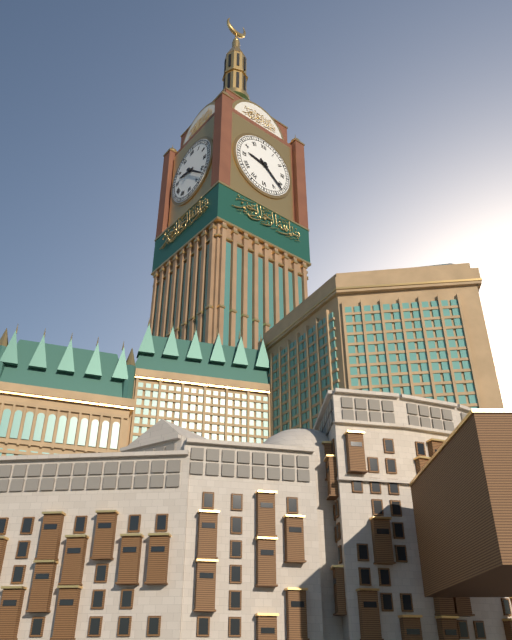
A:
9:22
